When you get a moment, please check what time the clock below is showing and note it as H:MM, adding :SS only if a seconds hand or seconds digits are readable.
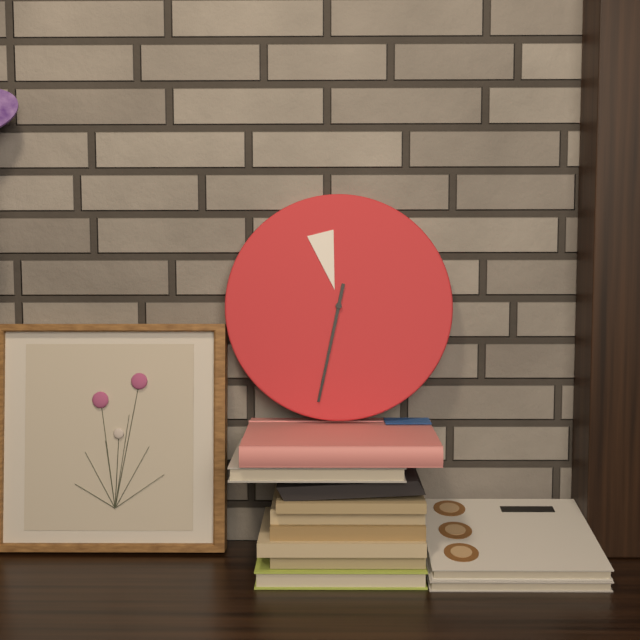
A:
11:32
